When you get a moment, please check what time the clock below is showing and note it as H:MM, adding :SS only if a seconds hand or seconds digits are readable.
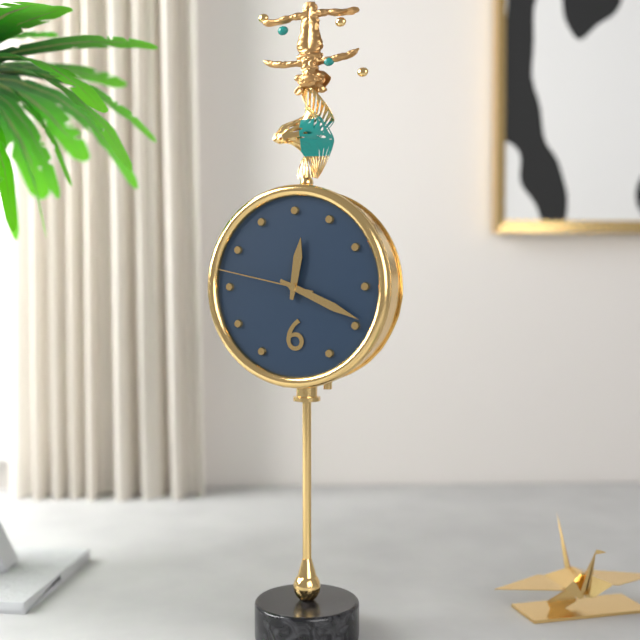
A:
12:19:47
